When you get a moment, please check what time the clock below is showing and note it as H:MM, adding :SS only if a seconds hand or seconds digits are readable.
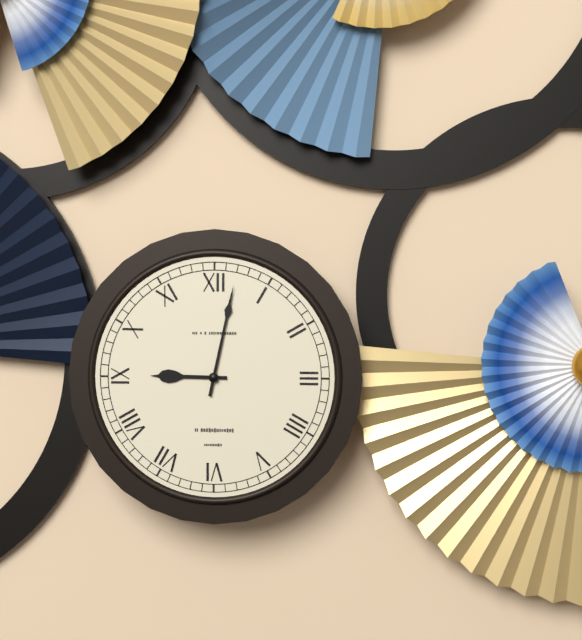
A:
9:02
